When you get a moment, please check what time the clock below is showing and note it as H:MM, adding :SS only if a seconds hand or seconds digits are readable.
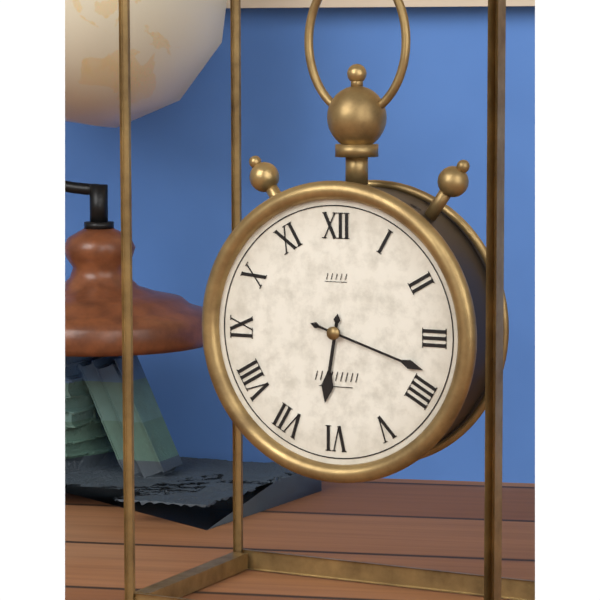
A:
6:18
